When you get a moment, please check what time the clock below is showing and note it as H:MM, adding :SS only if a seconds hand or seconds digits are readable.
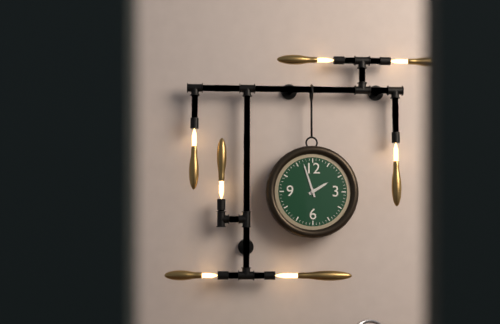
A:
1:57
